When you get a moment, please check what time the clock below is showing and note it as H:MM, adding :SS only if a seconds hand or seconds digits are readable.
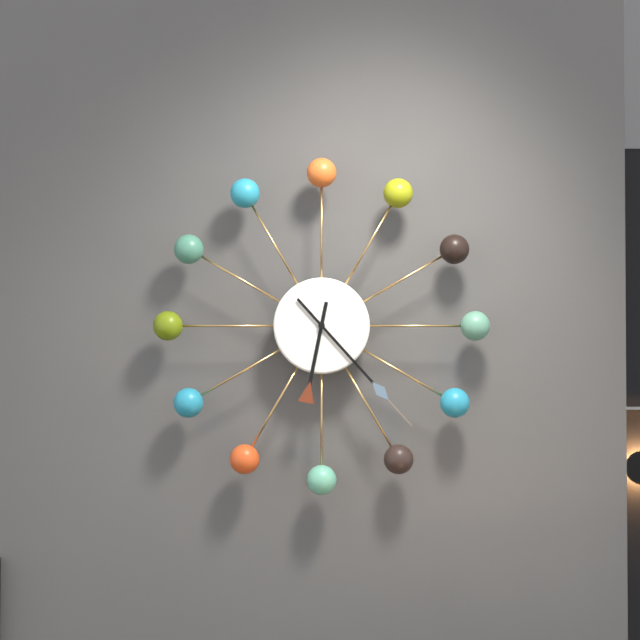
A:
6:23
